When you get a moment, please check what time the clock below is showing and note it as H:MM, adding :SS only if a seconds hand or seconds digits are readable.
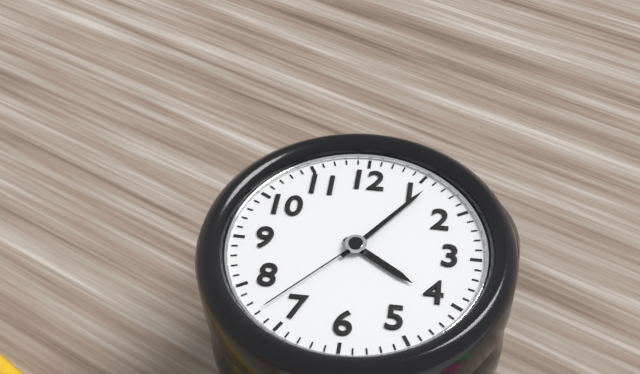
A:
4:06:37
